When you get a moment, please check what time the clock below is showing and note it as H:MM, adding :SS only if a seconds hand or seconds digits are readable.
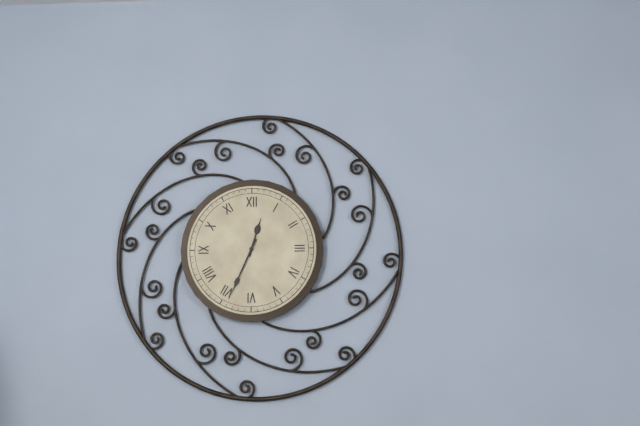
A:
12:34
